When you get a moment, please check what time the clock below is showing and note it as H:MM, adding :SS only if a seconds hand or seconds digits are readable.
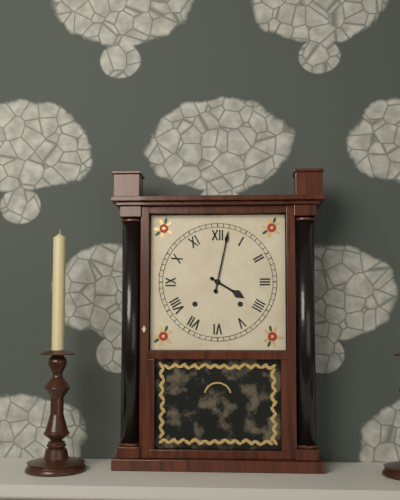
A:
4:02
